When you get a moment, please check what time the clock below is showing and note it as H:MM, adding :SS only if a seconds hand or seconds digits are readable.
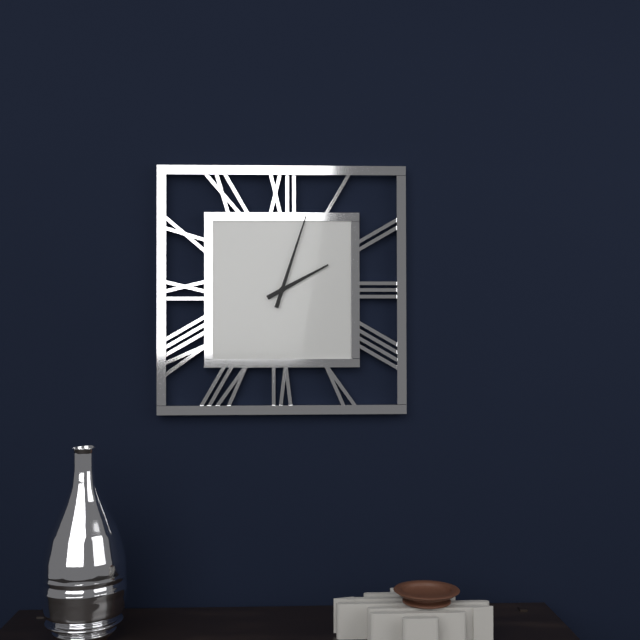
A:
2:03
